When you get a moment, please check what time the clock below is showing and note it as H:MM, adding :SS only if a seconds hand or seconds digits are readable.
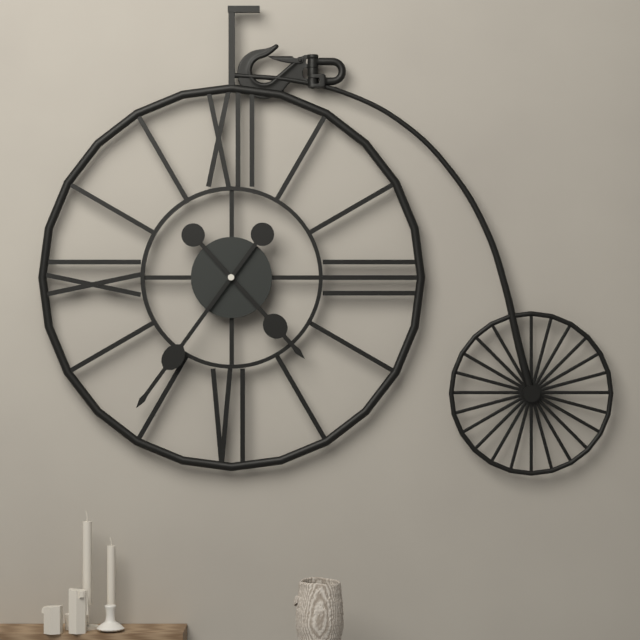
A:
4:36
